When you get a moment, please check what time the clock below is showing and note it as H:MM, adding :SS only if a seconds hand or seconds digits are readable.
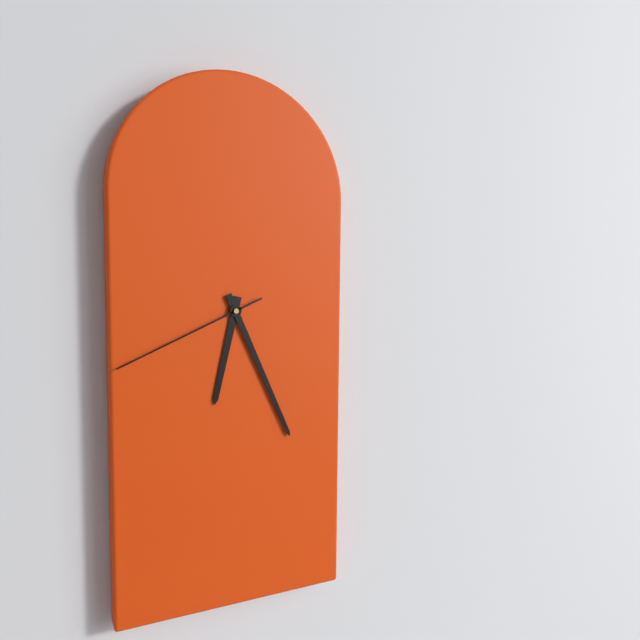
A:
6:26:41
